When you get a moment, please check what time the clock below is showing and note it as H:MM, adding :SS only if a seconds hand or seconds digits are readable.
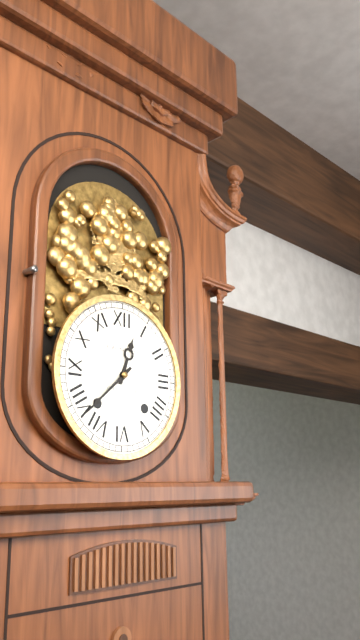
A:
12:38
